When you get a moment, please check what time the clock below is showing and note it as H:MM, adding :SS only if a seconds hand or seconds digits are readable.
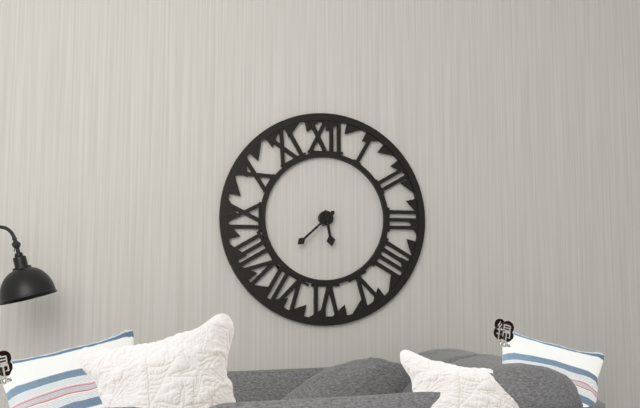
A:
5:38
